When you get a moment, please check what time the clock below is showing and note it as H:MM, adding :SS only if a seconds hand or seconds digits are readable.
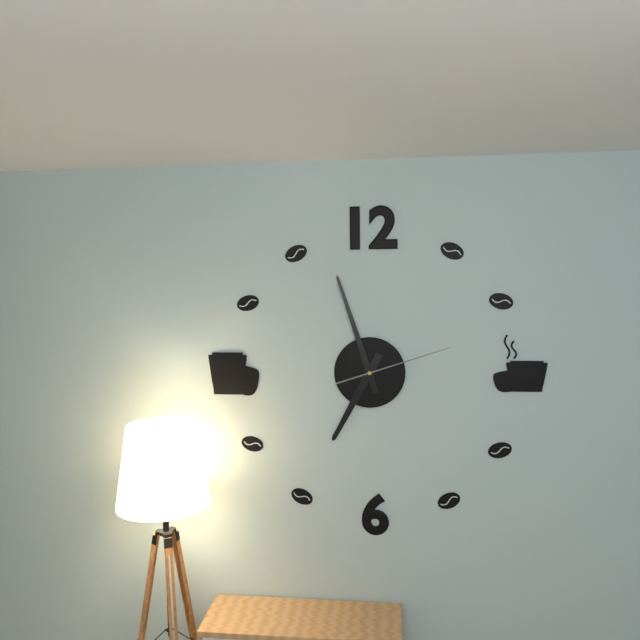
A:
6:57:12
